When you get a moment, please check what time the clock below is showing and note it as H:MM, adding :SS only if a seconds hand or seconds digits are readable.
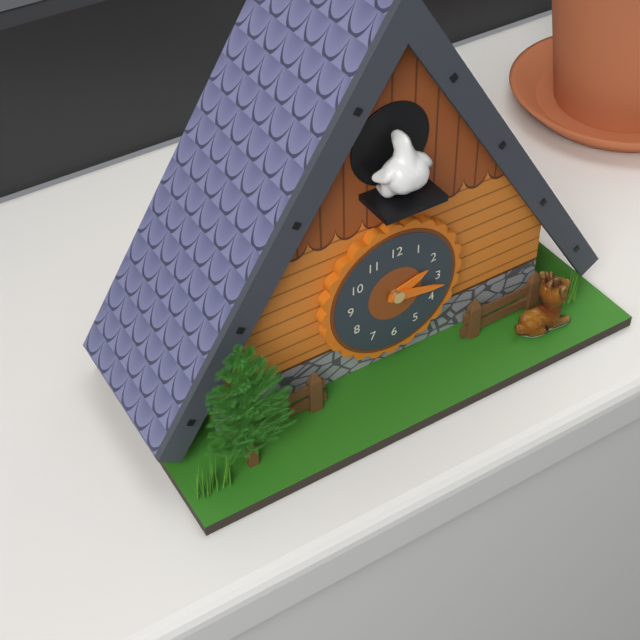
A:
2:17
